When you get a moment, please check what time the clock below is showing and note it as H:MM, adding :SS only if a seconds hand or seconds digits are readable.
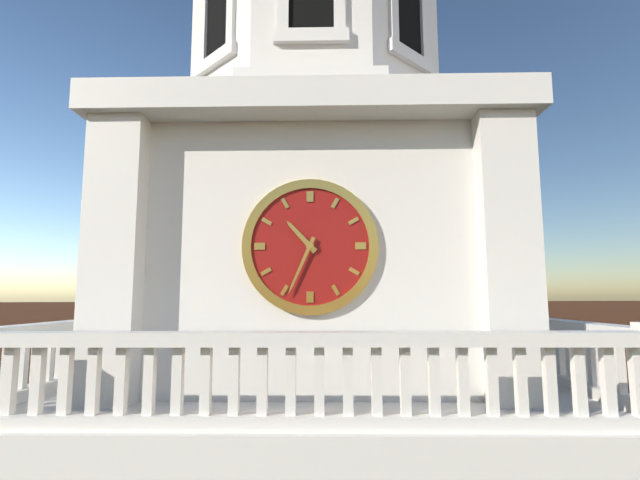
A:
10:34
